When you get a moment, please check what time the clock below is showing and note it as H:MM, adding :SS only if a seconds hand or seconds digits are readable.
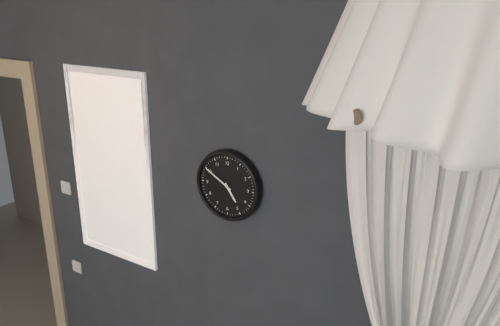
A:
4:50
